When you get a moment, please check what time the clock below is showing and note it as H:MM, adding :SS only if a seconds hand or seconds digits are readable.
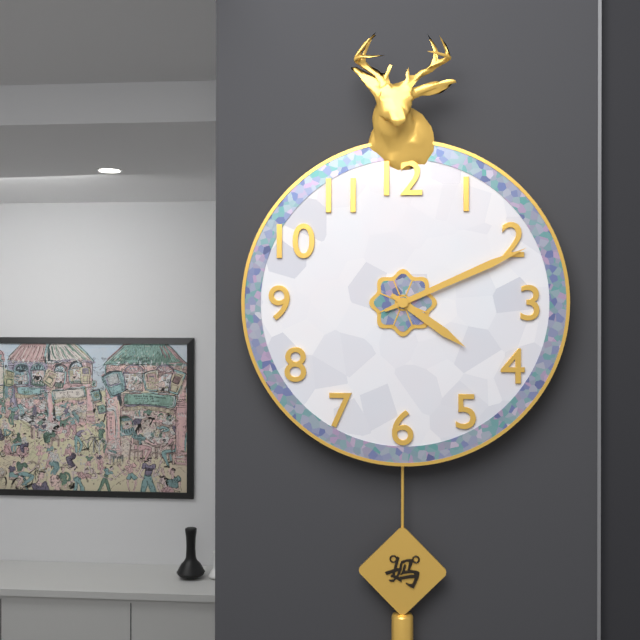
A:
4:11
